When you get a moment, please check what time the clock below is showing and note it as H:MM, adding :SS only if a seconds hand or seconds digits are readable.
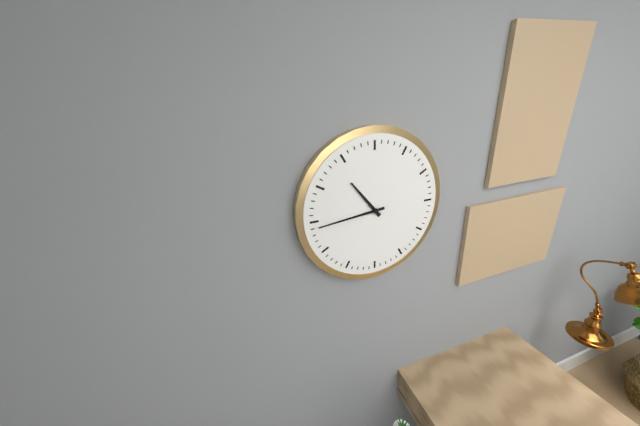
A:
10:44
